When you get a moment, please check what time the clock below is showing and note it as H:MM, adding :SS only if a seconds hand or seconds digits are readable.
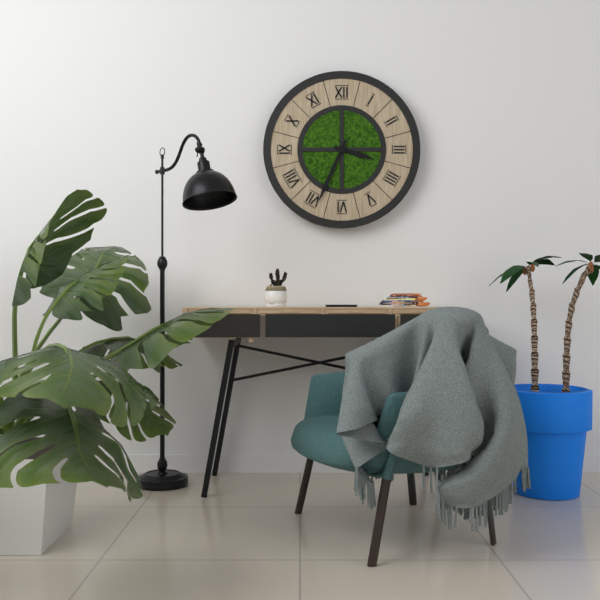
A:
3:34
